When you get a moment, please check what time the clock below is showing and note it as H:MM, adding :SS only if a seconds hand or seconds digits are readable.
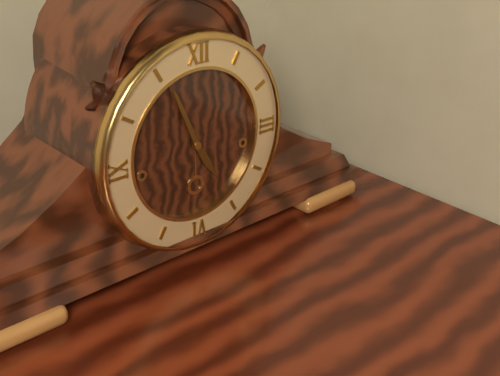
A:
4:56
